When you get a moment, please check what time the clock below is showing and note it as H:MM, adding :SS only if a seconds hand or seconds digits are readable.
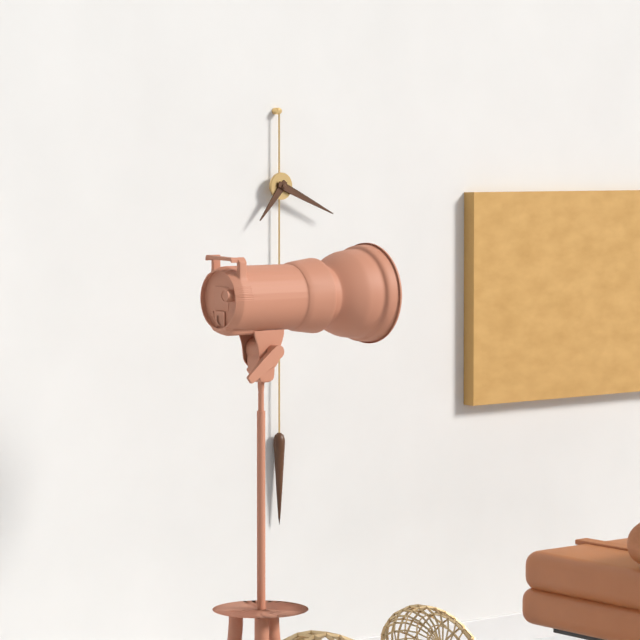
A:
7:19
